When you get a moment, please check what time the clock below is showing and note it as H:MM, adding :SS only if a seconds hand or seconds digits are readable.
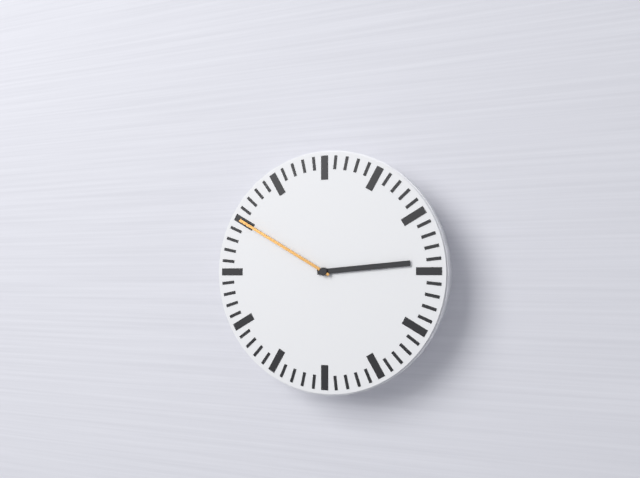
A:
2:50
